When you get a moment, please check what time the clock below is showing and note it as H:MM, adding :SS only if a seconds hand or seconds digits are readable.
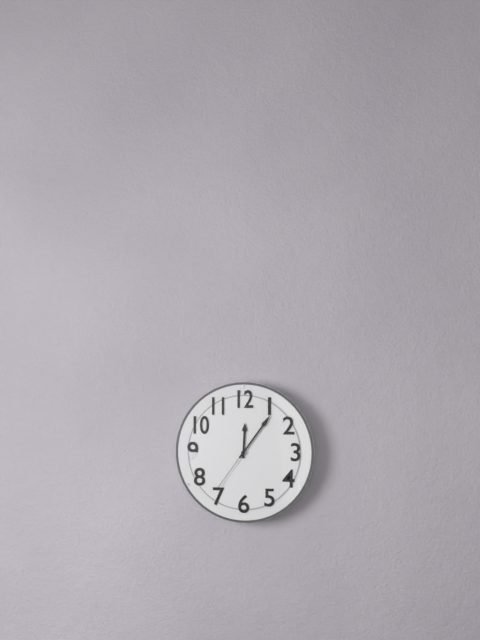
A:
12:06:36
